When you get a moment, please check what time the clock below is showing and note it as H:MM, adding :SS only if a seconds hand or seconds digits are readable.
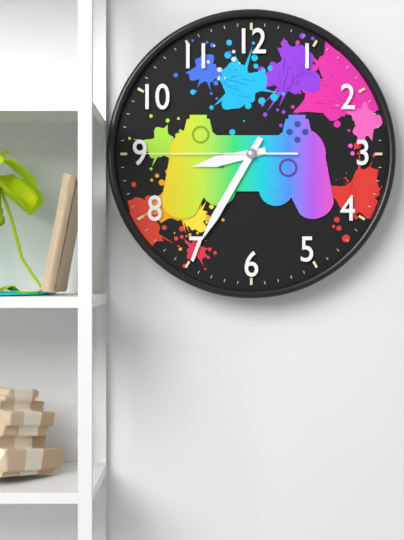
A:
8:35:45
